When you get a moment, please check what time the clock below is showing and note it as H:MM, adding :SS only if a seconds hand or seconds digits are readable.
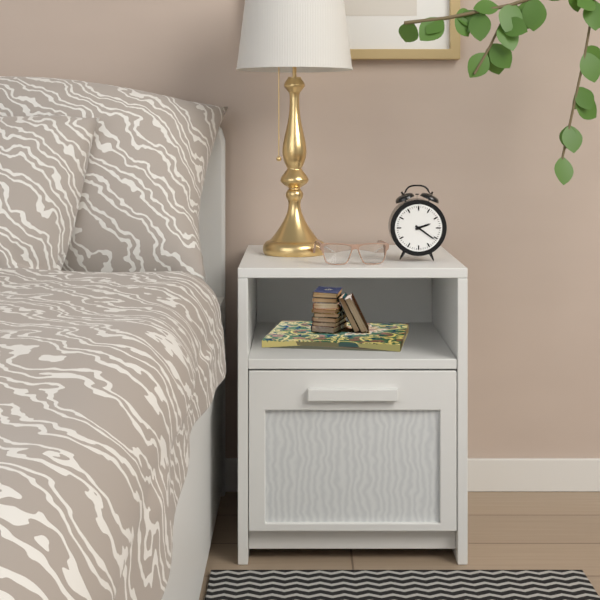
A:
2:21
